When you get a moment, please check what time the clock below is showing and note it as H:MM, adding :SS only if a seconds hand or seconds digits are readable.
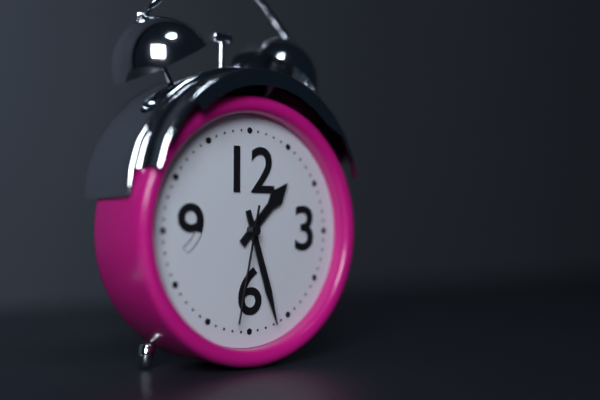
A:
1:27:32
